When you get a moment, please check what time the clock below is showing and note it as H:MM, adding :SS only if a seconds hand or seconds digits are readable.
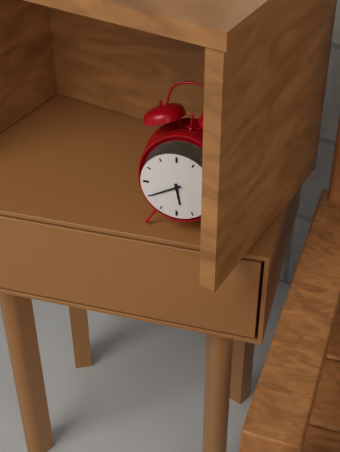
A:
5:40
